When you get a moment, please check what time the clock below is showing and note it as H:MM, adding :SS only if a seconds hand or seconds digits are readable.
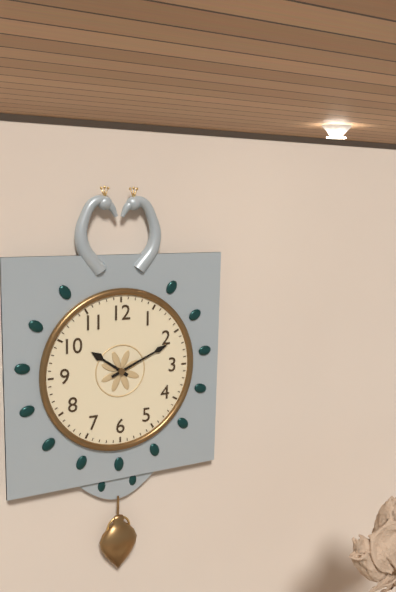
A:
10:11
